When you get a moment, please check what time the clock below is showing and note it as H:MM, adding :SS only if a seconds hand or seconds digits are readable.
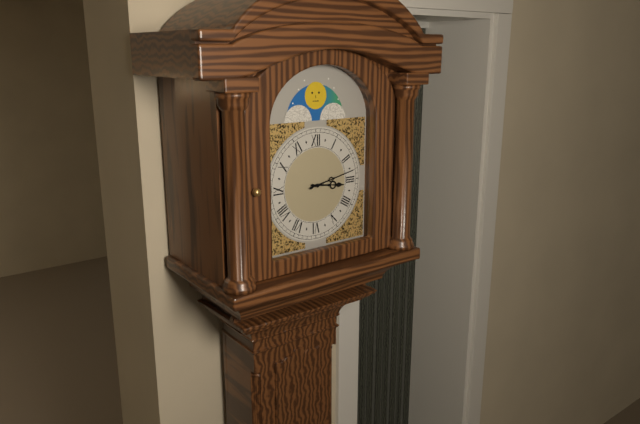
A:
3:13
